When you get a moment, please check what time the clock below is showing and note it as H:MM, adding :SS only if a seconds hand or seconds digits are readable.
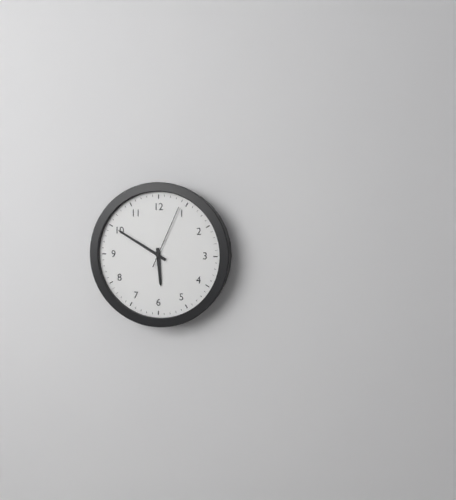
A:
5:50:04
